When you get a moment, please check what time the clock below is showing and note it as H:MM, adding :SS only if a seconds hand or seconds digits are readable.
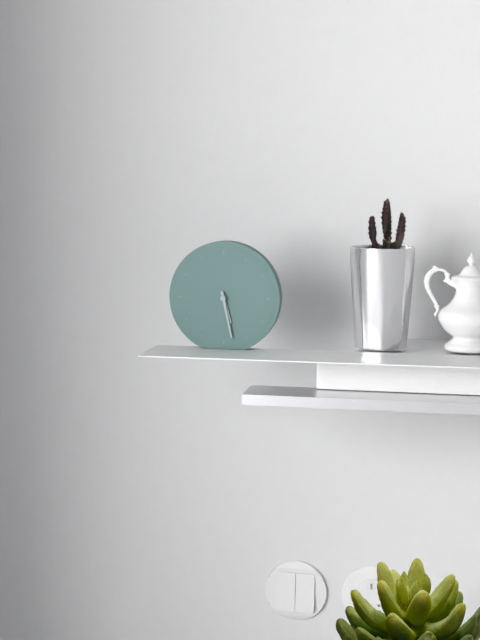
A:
5:28
